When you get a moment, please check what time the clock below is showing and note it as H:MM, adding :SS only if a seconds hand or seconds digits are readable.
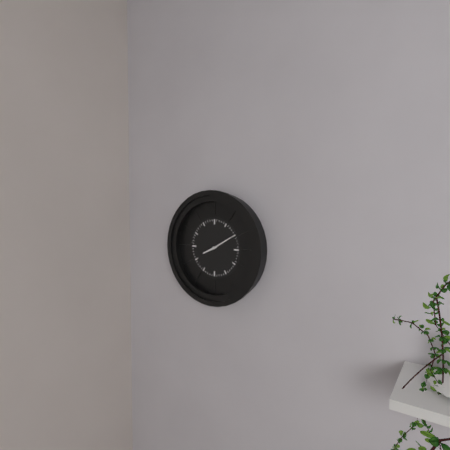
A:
8:10
